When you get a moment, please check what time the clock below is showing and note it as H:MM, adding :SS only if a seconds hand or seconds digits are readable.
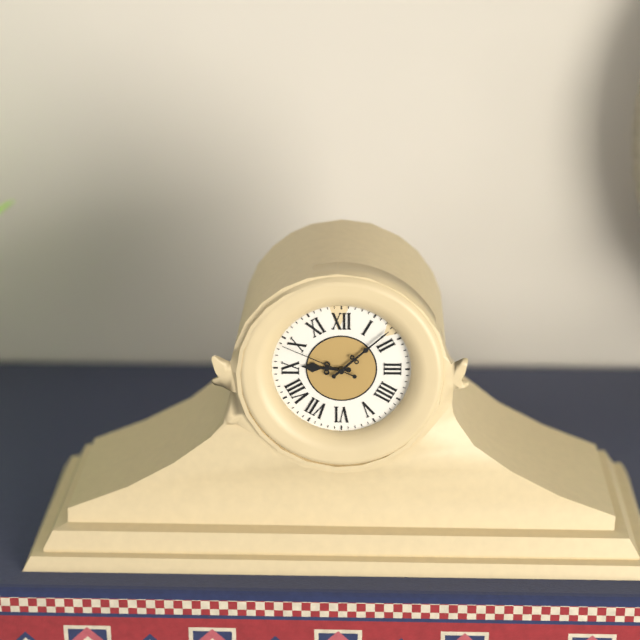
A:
9:08:49
